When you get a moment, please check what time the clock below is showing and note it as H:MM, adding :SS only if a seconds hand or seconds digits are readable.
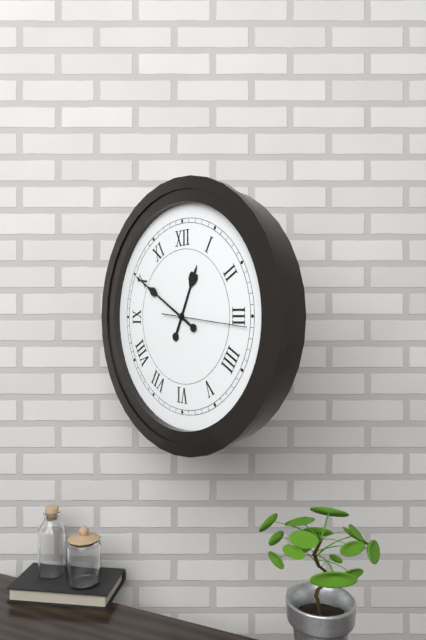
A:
12:50:16
